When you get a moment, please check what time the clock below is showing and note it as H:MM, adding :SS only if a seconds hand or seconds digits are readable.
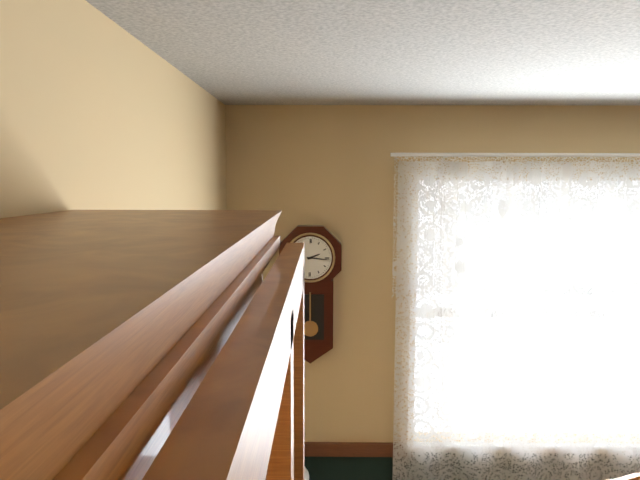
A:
2:16
